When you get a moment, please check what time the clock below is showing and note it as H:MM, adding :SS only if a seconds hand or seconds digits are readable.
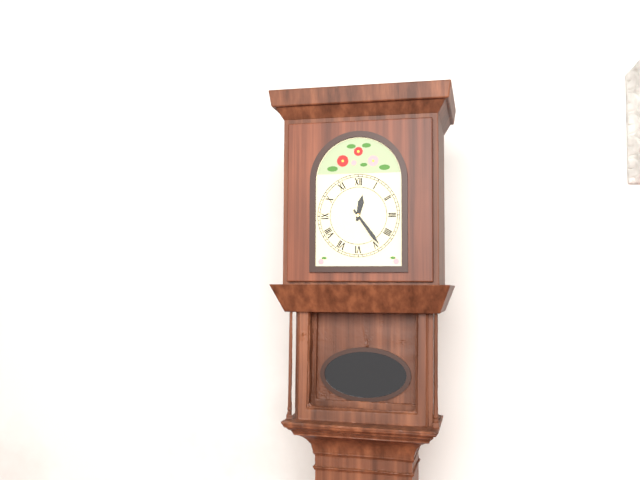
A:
12:24
